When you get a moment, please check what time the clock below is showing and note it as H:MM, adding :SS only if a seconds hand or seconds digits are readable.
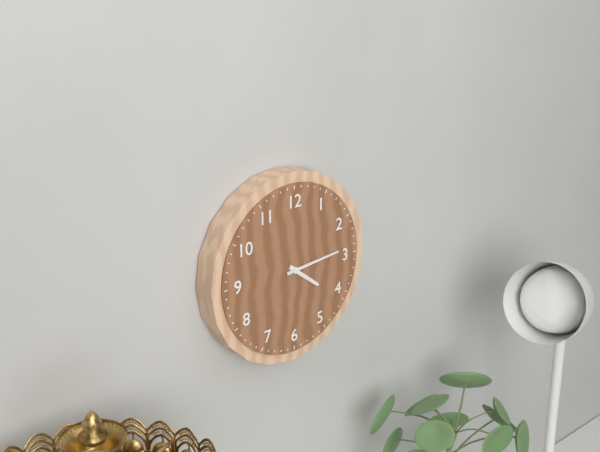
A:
4:14
